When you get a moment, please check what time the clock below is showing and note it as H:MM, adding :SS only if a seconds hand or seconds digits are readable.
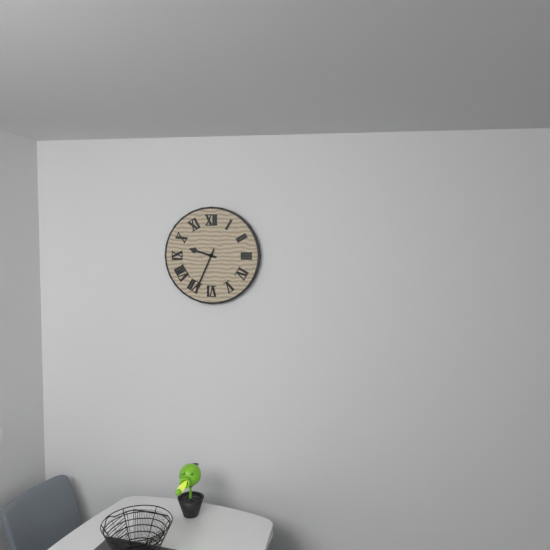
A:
9:34
